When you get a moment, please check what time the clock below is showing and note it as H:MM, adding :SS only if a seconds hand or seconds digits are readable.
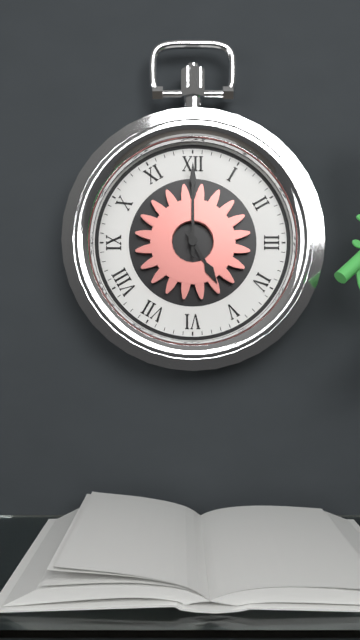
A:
5:00
